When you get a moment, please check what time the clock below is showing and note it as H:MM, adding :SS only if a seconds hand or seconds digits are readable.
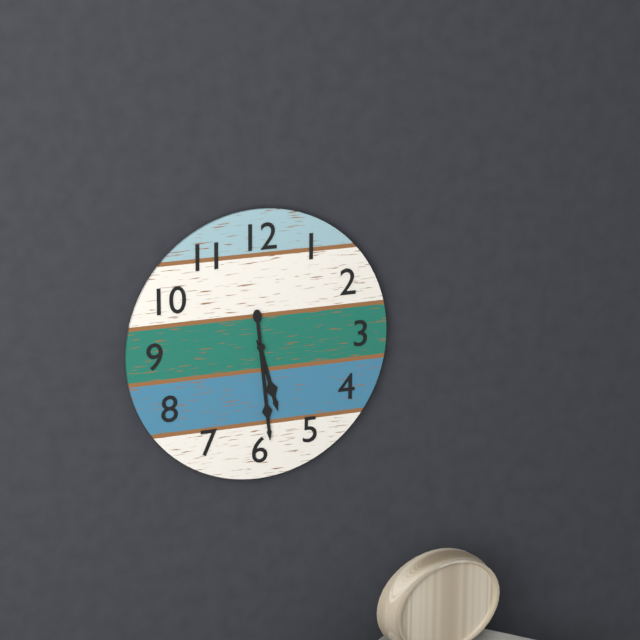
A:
5:29
